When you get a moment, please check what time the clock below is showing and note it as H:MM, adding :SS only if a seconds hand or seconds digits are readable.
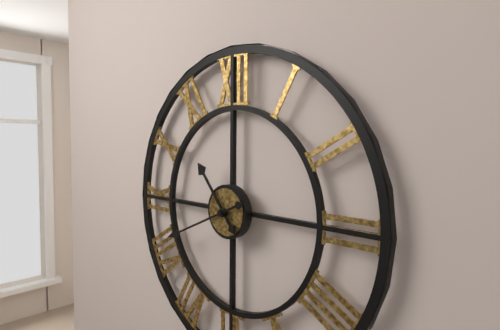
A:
10:41
